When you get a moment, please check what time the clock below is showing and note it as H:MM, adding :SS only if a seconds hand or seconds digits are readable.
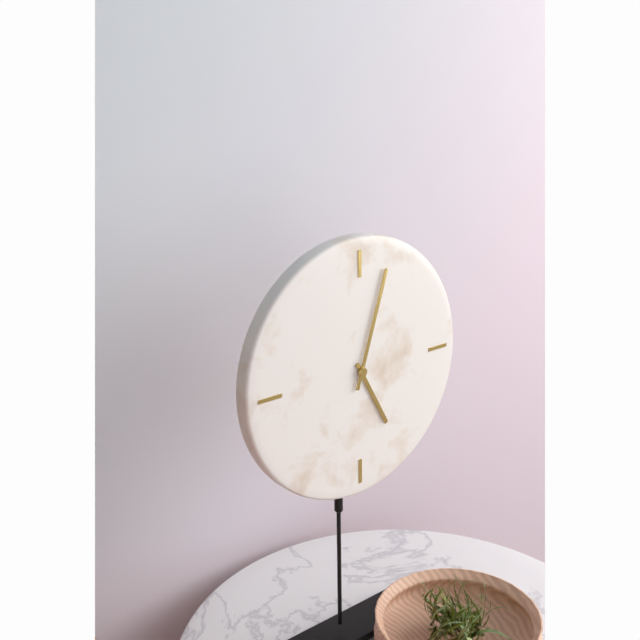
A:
5:03
